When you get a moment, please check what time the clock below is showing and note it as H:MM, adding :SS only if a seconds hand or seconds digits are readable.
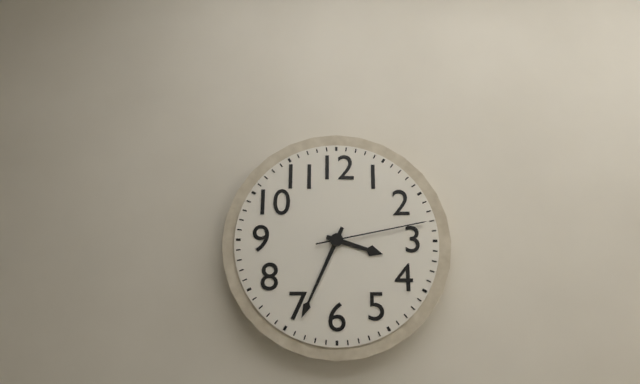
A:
3:34:13
